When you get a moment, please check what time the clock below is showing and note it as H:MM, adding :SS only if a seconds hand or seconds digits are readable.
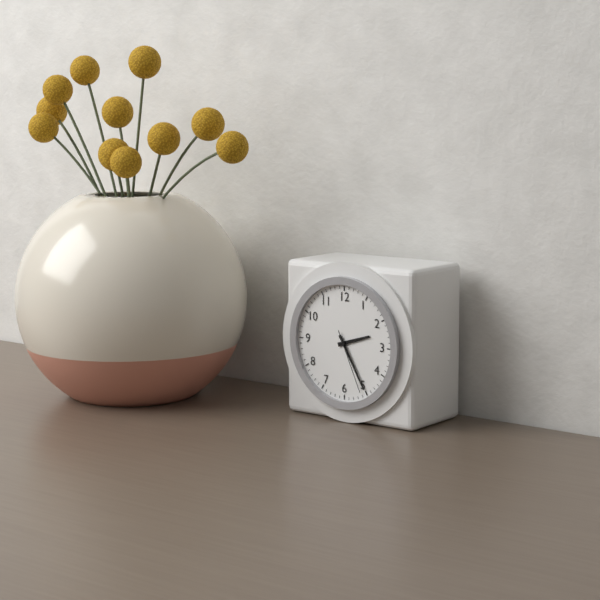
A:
2:25:26
